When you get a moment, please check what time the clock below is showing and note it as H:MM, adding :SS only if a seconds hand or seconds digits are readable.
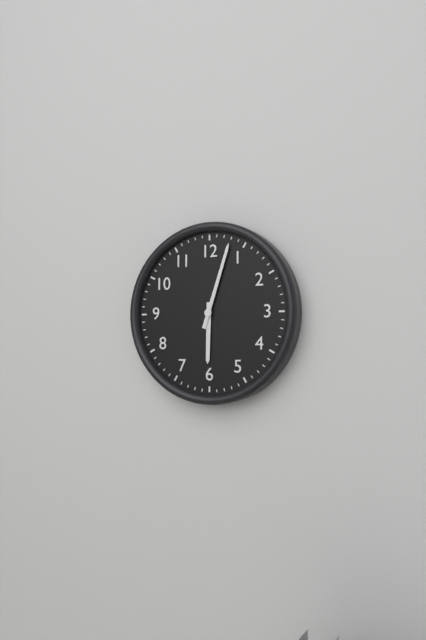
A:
6:03
